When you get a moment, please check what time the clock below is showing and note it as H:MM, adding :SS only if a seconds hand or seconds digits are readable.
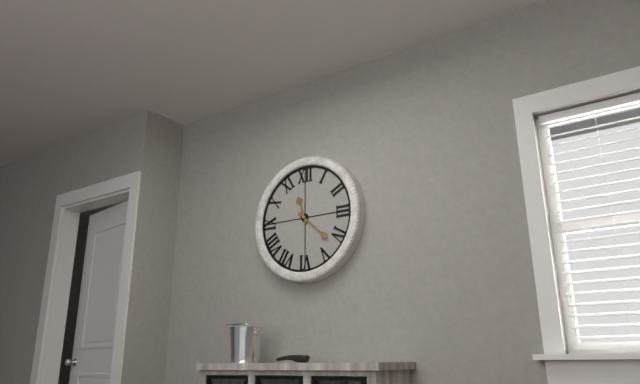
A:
11:22
